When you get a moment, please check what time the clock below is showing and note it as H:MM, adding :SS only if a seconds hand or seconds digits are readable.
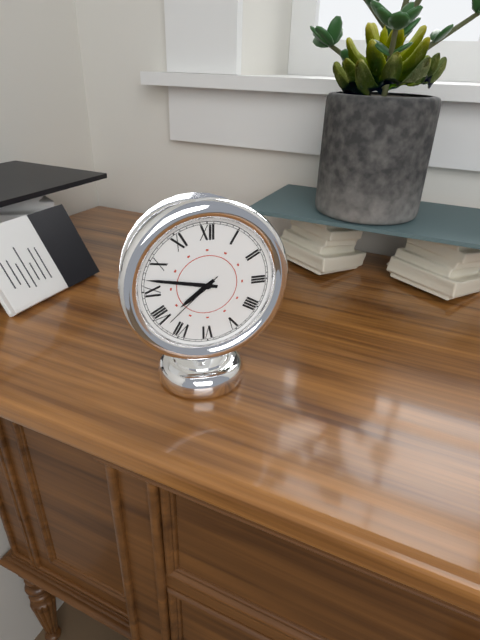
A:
7:47:38
